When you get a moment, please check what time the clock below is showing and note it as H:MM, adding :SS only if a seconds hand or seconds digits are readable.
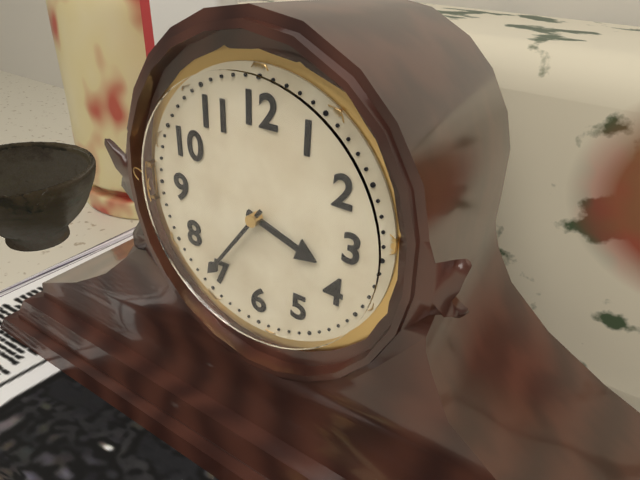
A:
3:36
